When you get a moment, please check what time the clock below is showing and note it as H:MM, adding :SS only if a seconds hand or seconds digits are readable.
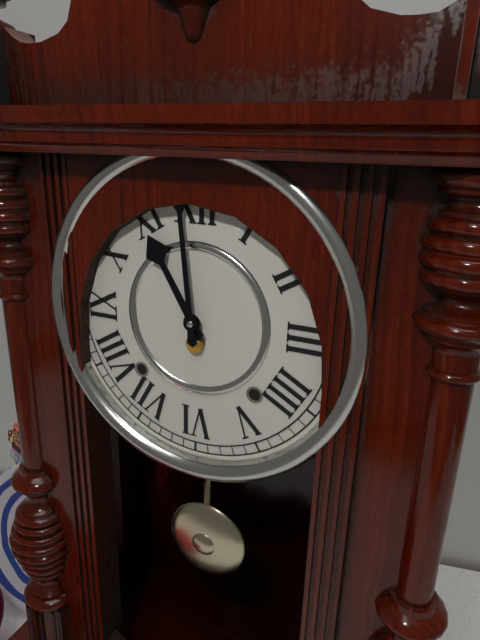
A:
10:59
